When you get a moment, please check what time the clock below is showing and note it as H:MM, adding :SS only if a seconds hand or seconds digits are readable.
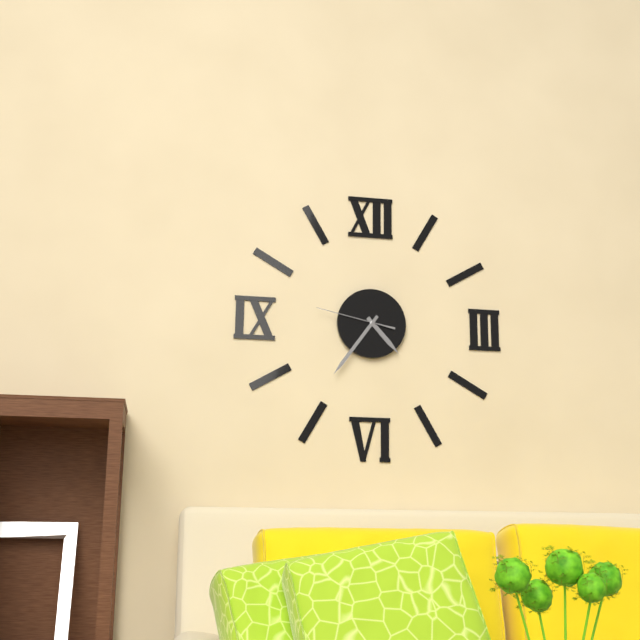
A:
4:36:47
